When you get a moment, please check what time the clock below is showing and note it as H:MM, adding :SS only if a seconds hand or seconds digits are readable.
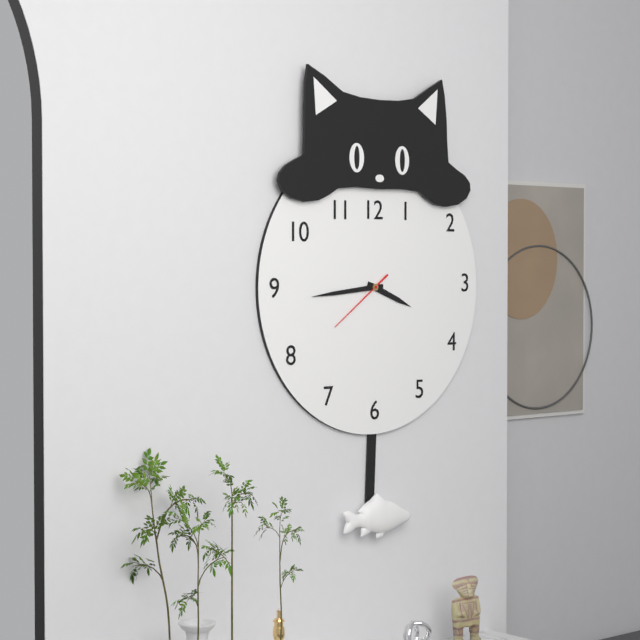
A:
3:44:39
